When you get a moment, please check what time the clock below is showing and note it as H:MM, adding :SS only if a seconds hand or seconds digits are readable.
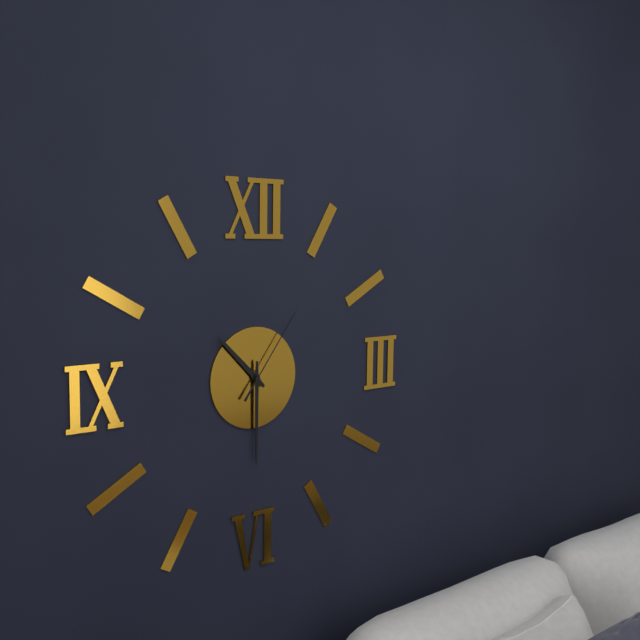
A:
10:30:06
